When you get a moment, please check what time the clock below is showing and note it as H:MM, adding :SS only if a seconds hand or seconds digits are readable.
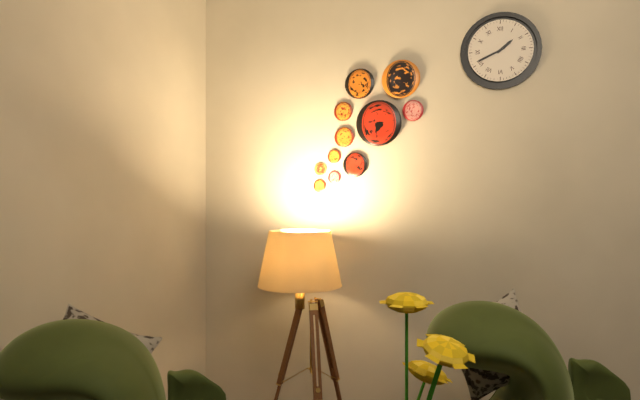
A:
1:41
